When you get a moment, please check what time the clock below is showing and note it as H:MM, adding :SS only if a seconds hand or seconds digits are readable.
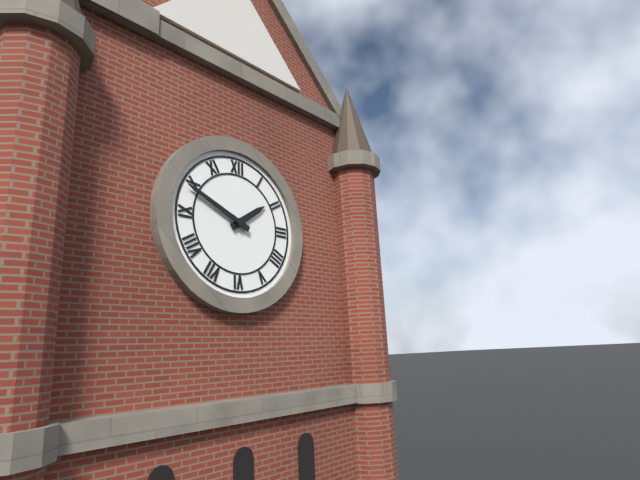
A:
1:49
